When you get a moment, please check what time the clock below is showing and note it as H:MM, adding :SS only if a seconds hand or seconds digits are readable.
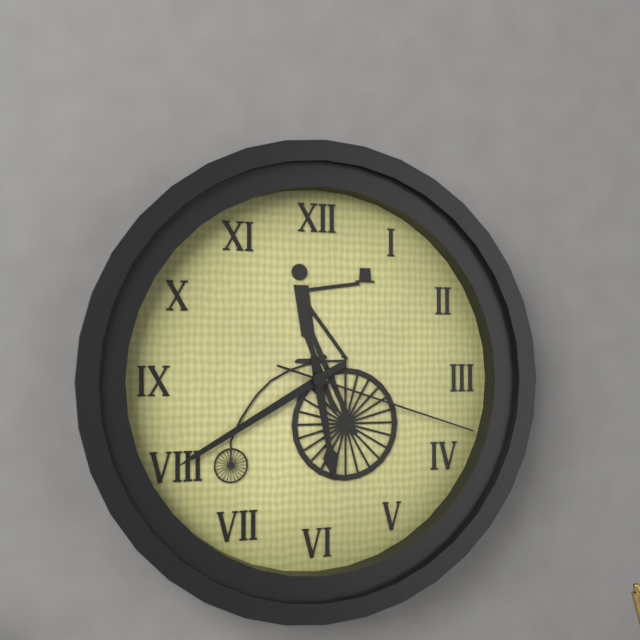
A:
5:40:18
